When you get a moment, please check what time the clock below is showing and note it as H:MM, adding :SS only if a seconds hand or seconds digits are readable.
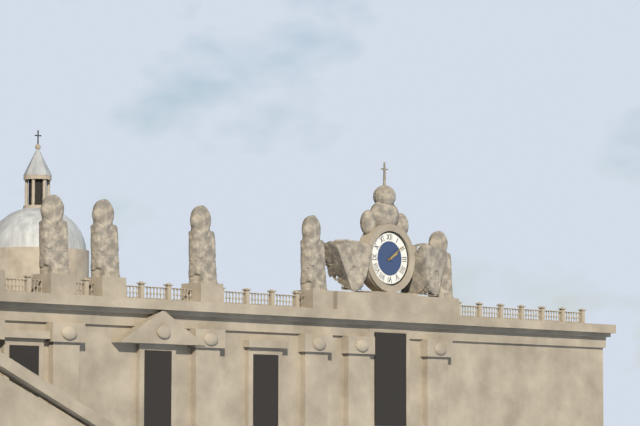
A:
2:09
